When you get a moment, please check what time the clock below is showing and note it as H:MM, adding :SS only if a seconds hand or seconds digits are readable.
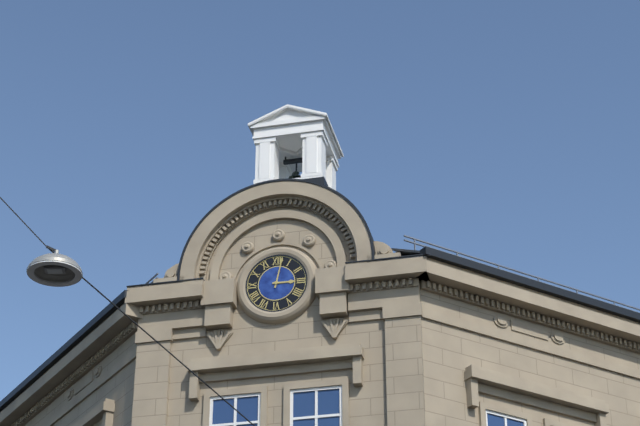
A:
3:02
